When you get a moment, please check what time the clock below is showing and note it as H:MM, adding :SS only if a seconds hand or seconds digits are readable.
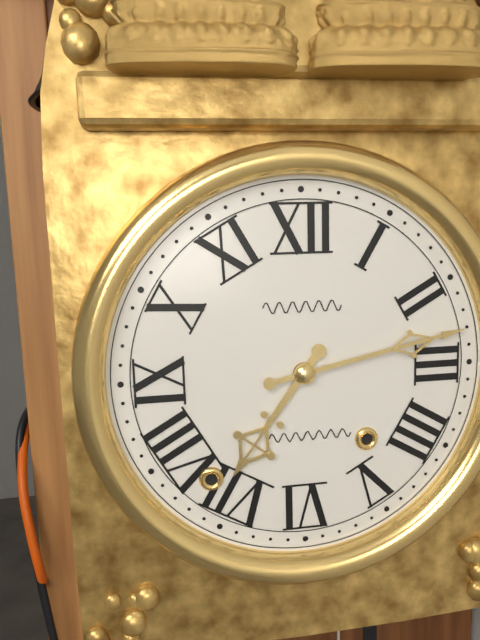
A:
7:13
